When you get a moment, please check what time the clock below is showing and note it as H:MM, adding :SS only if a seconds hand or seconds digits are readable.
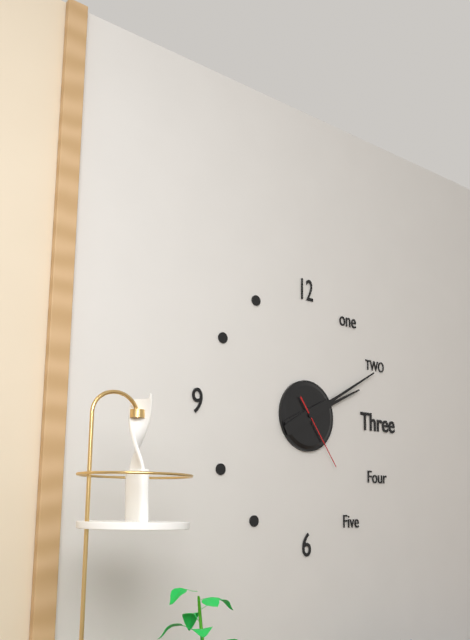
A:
2:10:24
